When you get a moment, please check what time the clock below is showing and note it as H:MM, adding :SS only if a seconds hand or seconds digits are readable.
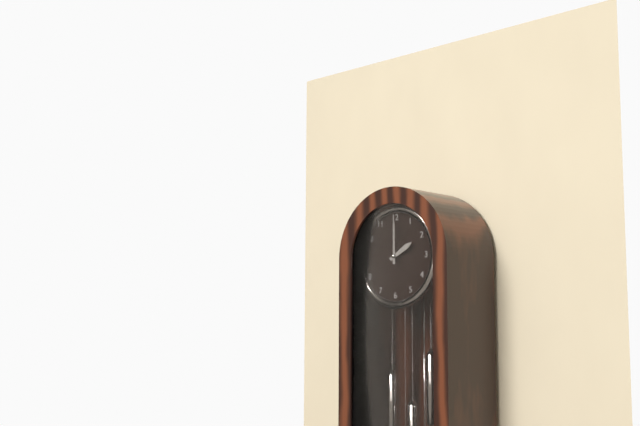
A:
2:00
